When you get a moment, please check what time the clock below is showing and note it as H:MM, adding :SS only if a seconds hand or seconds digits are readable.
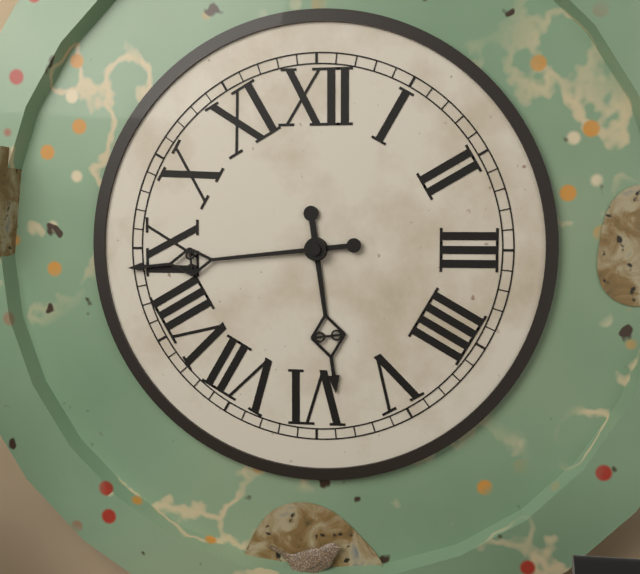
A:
5:44
